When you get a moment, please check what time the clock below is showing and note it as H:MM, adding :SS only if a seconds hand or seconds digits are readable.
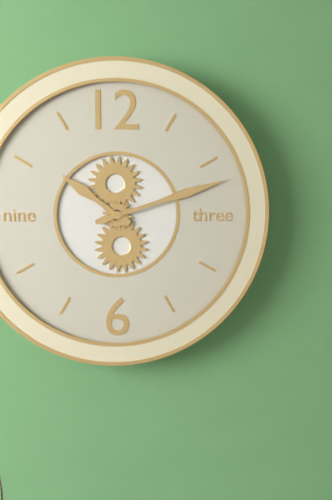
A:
10:12
